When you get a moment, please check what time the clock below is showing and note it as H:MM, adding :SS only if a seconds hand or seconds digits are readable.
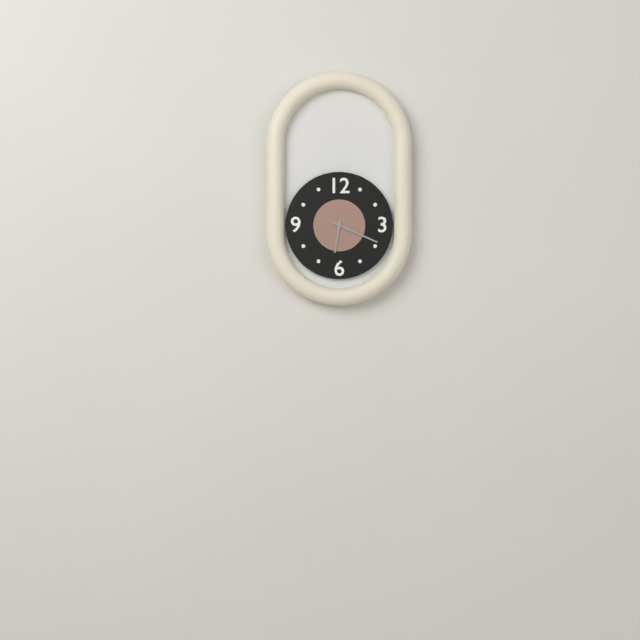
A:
6:19
